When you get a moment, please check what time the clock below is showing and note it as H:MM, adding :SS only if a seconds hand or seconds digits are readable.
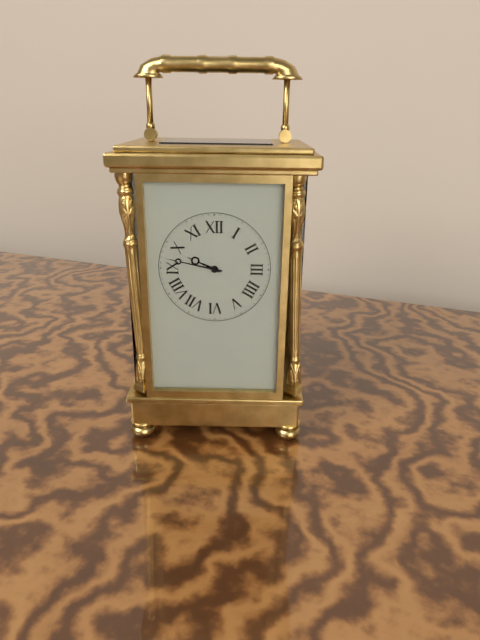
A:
9:47
